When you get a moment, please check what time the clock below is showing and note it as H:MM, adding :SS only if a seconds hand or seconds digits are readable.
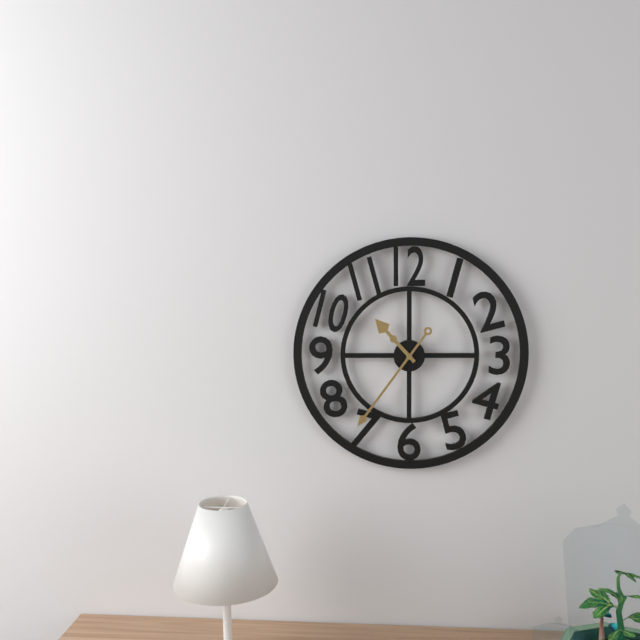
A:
10:36
